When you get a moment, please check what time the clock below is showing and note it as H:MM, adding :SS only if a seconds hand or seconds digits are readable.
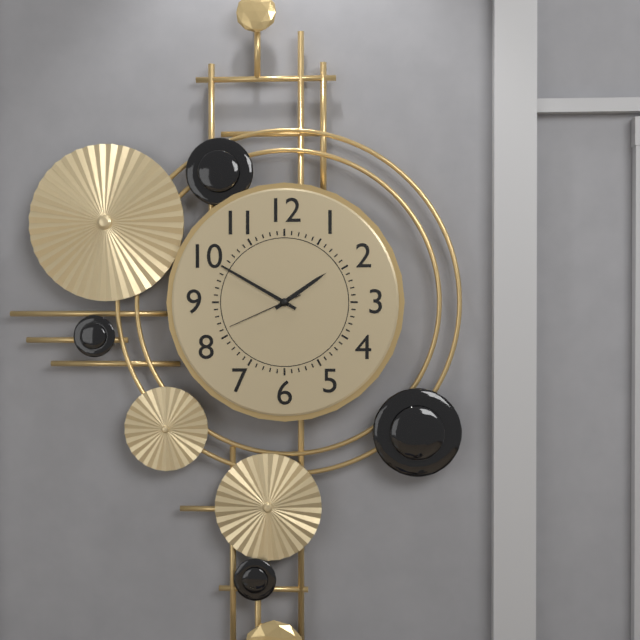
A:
1:50:41
